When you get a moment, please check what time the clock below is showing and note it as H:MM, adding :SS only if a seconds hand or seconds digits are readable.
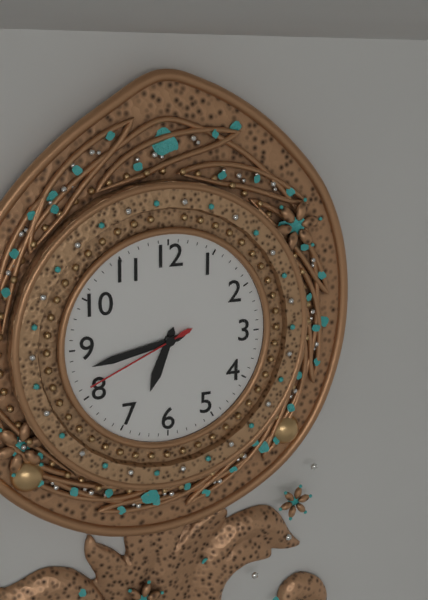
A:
6:43:41
